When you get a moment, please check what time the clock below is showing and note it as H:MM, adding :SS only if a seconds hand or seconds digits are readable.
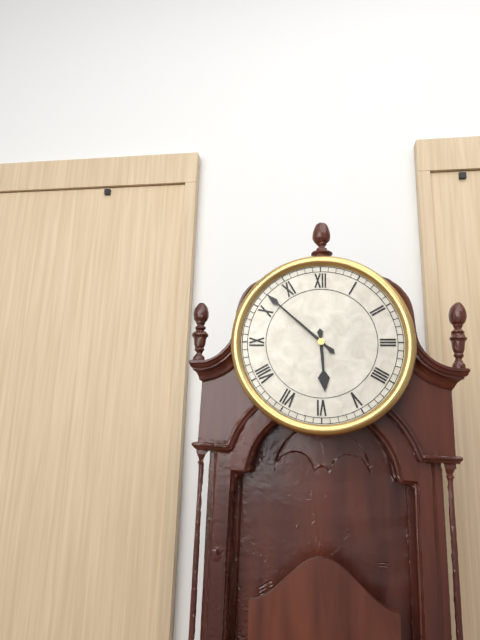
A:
5:52
